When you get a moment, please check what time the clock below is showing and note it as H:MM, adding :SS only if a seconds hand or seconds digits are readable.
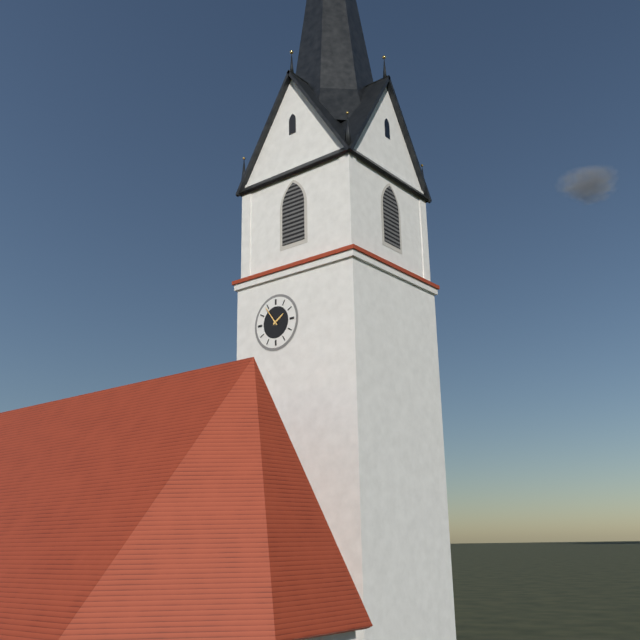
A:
1:54
